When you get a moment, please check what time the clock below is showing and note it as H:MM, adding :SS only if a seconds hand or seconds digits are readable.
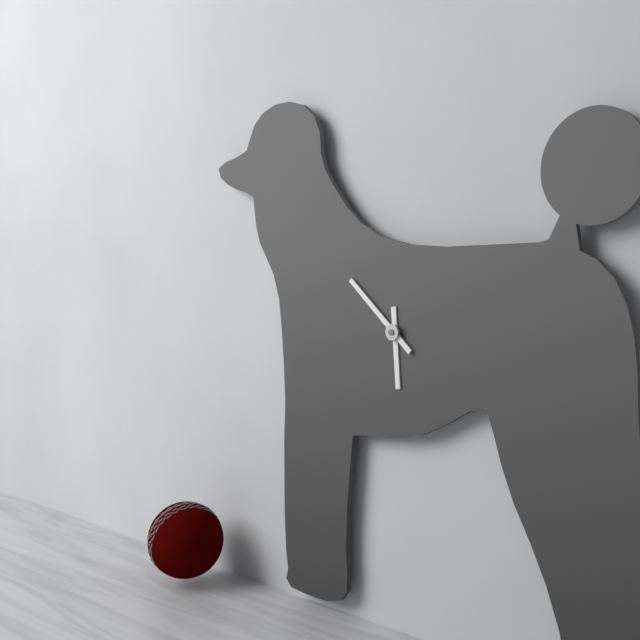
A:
5:52
